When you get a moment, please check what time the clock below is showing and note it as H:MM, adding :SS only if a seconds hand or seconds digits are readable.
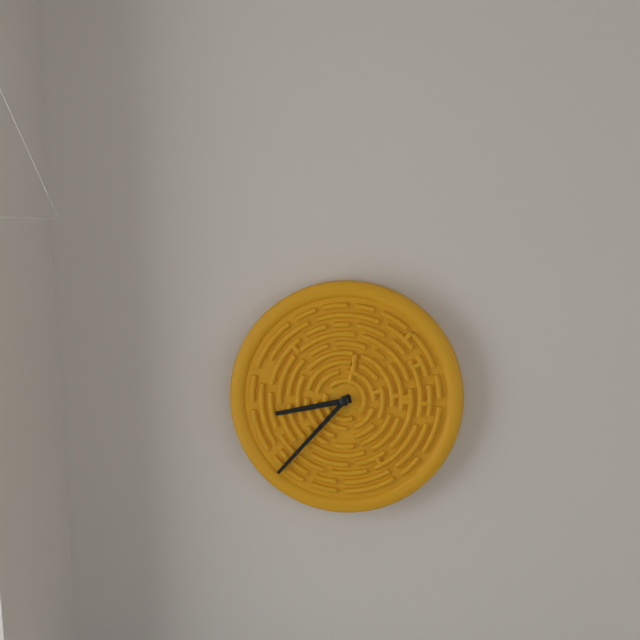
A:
8:37
